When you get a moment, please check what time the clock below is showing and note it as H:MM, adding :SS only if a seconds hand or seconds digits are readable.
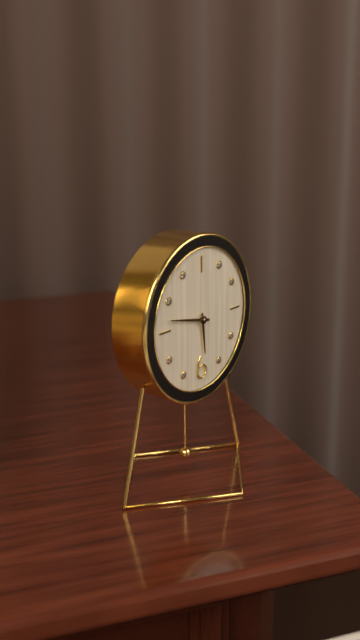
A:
5:47
